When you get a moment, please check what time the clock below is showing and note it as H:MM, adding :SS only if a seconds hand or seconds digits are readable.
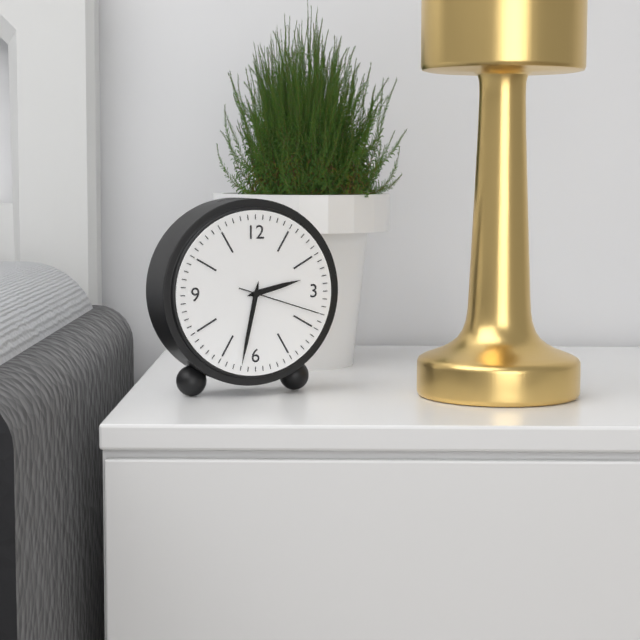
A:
2:32:18
